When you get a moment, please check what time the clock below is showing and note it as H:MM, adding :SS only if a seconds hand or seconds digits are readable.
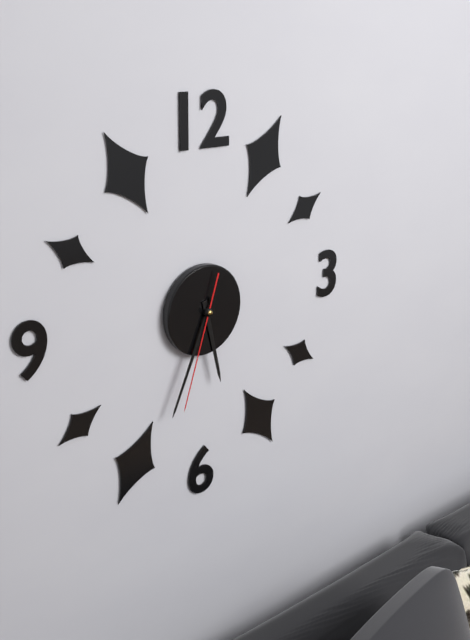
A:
5:34:33
